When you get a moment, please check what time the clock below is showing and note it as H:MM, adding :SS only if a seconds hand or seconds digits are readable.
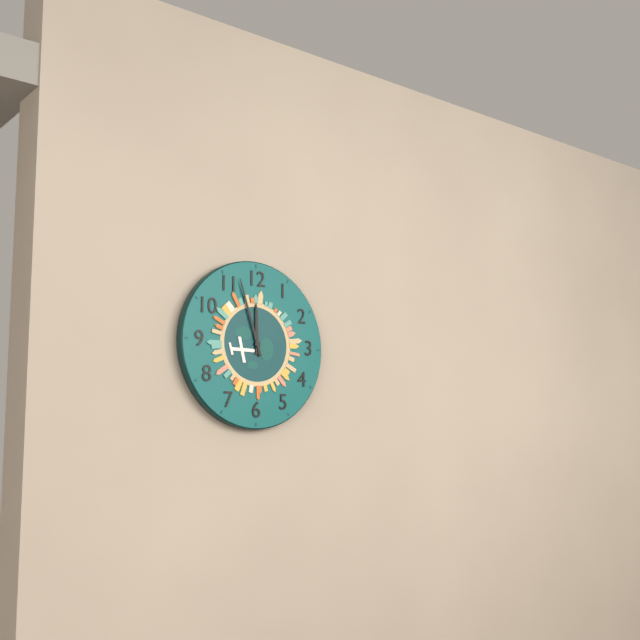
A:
11:57
